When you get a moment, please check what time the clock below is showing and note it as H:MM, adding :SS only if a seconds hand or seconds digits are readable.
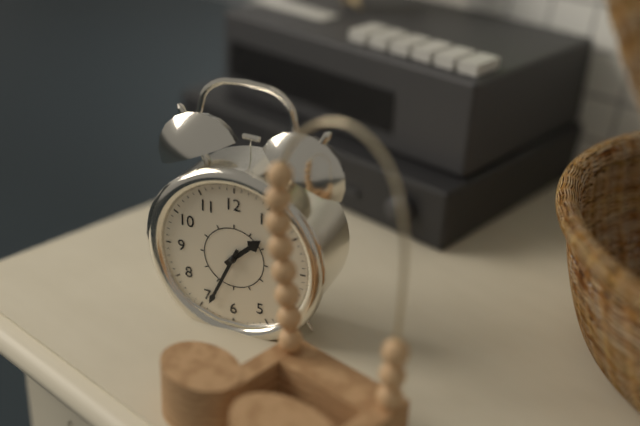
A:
1:34
